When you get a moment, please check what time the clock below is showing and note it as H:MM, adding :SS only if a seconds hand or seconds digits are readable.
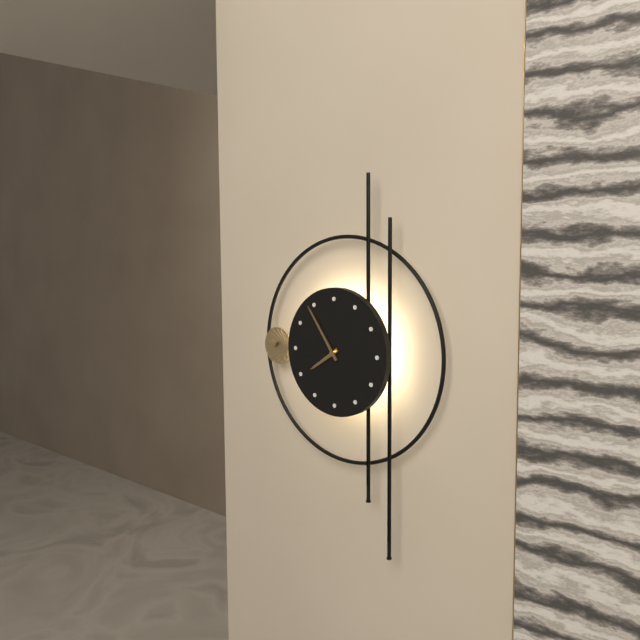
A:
7:54
